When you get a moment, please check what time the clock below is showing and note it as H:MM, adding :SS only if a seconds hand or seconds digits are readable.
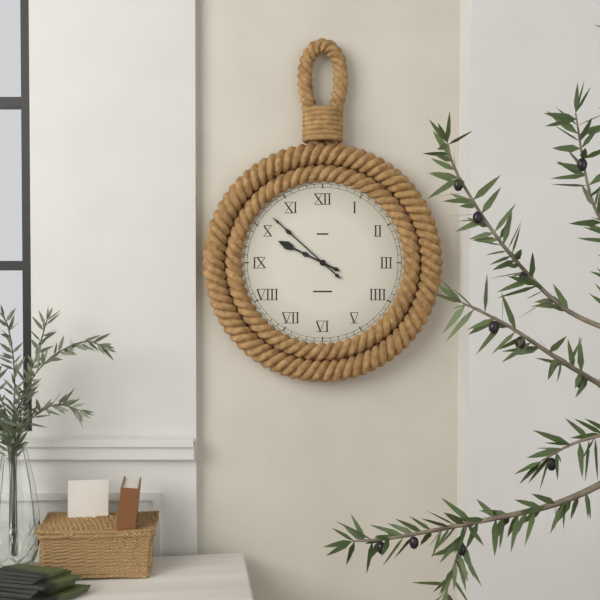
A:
9:52
